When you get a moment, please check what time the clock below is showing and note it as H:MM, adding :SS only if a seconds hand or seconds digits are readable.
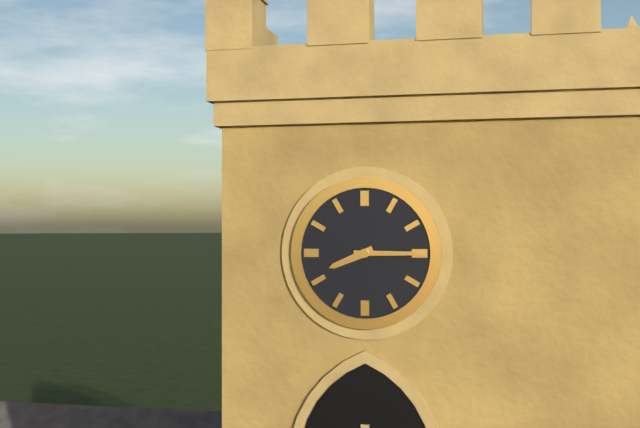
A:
8:15
